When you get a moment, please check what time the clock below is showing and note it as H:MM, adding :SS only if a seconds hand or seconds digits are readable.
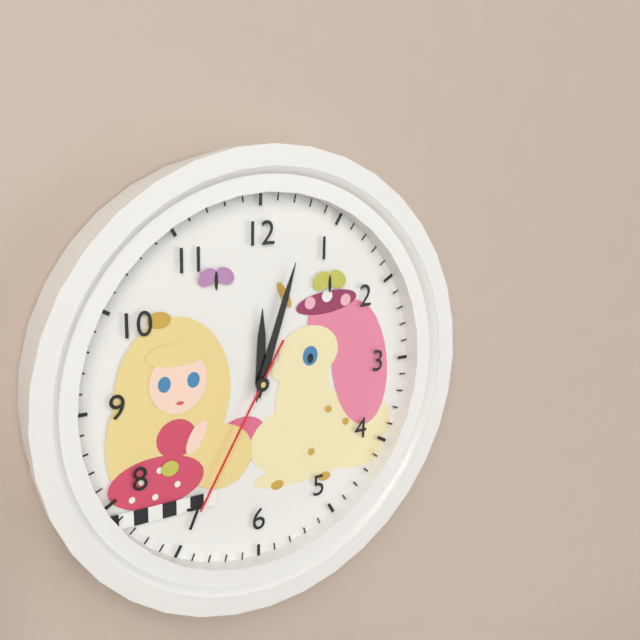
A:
12:03:35
